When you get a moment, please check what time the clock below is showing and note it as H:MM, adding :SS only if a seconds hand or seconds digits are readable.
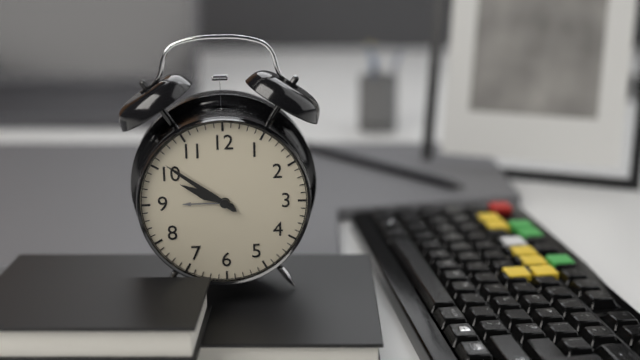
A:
9:51
